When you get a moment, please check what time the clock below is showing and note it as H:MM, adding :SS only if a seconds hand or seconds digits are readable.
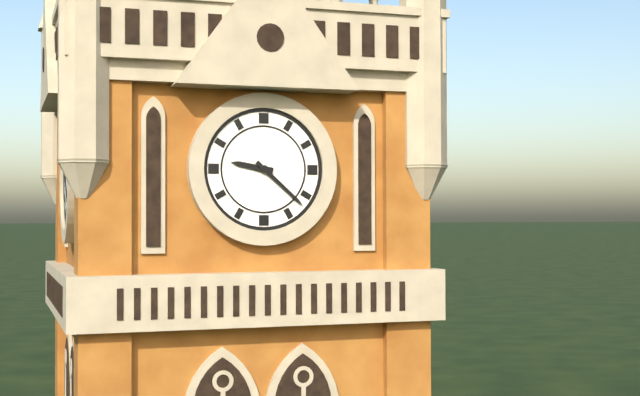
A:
9:22
